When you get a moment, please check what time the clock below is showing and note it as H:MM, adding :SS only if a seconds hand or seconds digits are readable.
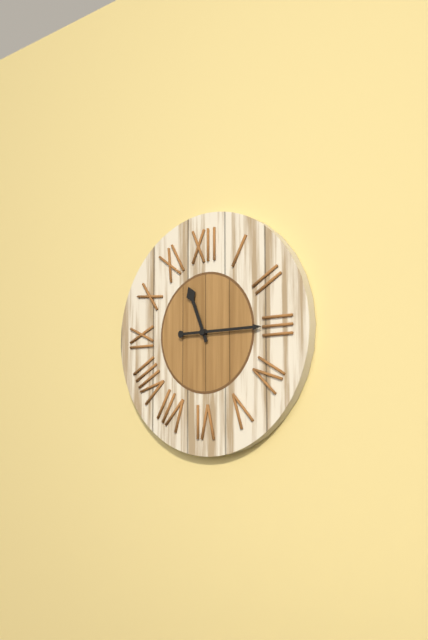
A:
11:15
